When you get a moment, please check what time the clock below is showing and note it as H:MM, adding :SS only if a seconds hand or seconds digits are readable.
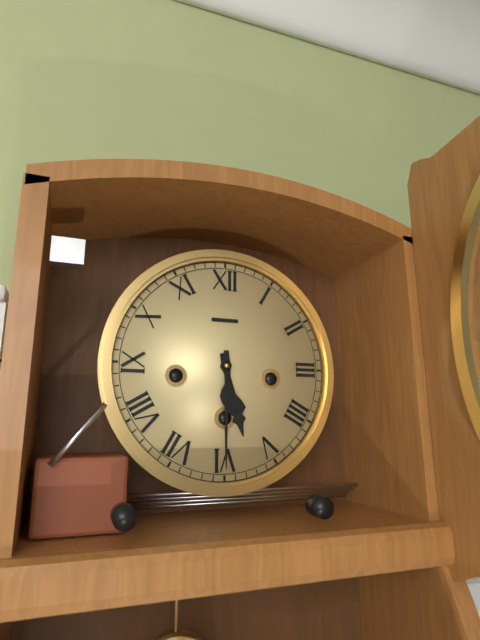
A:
5:30
